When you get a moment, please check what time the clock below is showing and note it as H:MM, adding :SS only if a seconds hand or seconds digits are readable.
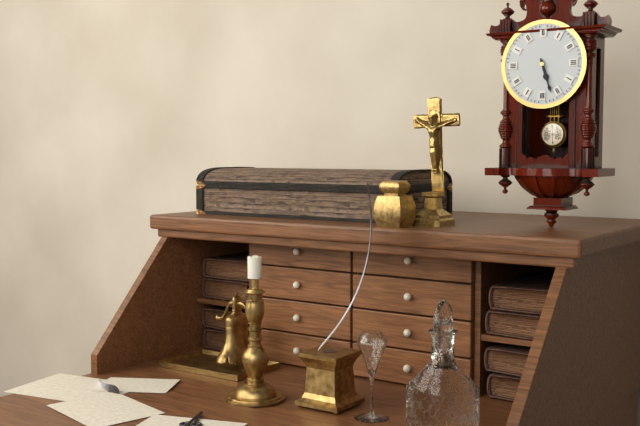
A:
5:27
